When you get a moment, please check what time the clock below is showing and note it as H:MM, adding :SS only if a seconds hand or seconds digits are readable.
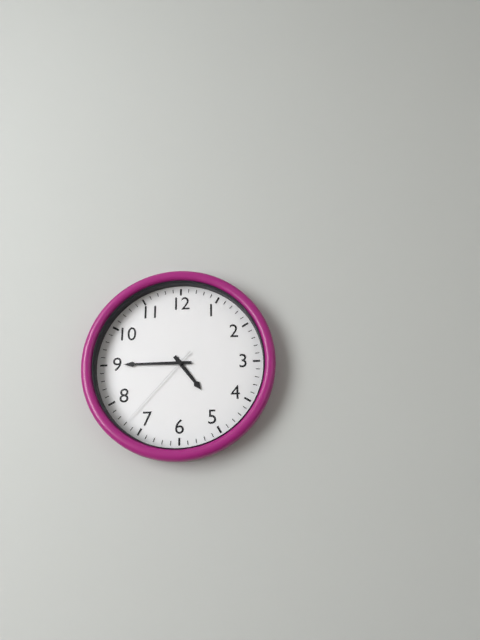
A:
4:45:37
